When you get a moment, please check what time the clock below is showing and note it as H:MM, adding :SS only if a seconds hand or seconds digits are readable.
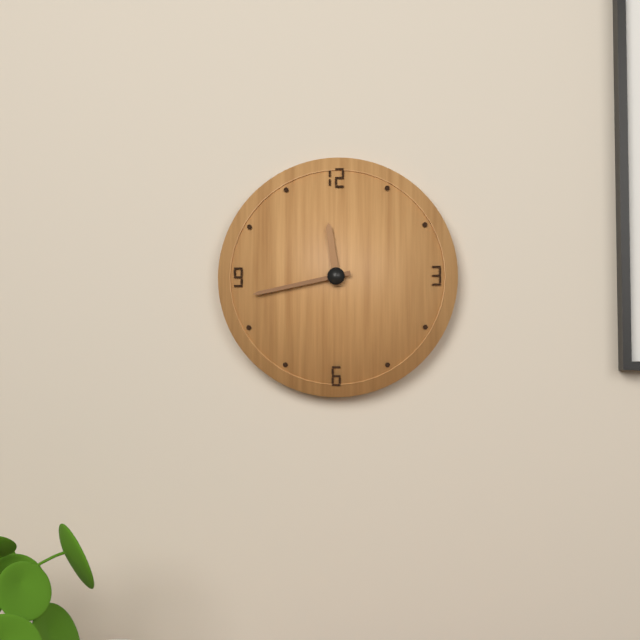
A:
11:43
